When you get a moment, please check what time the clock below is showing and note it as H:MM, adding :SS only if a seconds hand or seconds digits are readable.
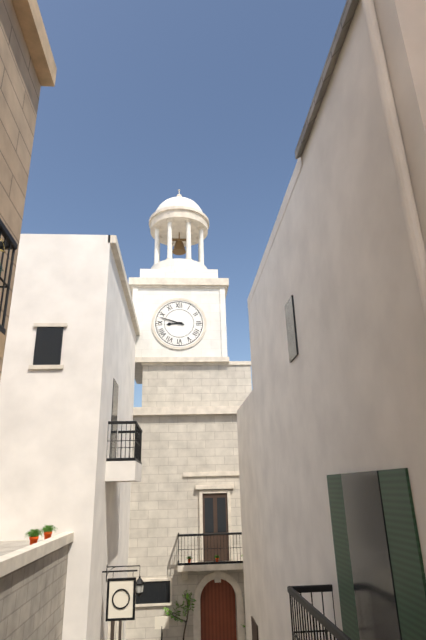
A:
8:48
